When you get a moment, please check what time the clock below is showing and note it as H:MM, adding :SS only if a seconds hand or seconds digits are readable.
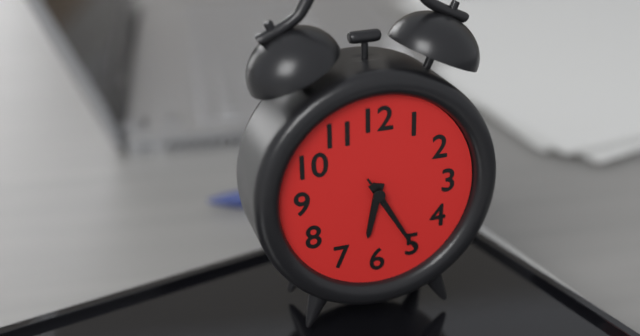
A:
6:25:25
